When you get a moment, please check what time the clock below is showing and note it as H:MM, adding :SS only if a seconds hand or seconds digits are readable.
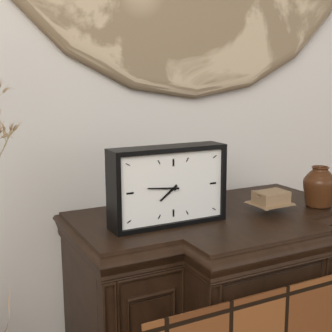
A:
7:46
